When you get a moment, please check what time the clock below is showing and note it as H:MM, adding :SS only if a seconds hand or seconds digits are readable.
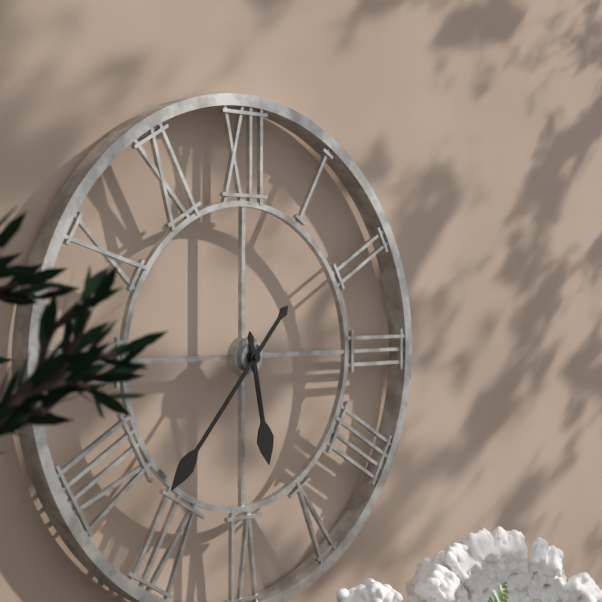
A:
5:37
